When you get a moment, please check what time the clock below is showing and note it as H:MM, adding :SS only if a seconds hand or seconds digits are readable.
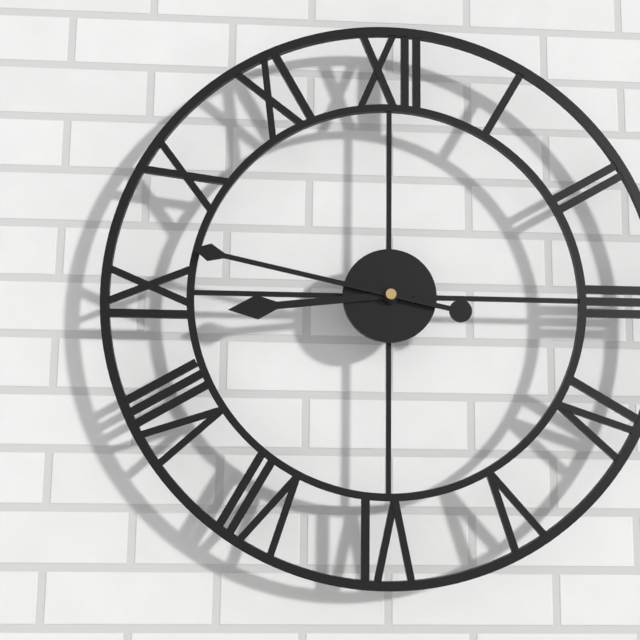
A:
8:47
